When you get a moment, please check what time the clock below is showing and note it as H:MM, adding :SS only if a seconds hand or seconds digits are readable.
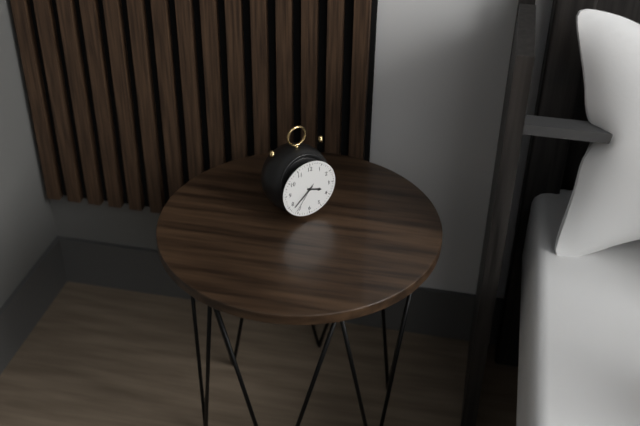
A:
3:38
